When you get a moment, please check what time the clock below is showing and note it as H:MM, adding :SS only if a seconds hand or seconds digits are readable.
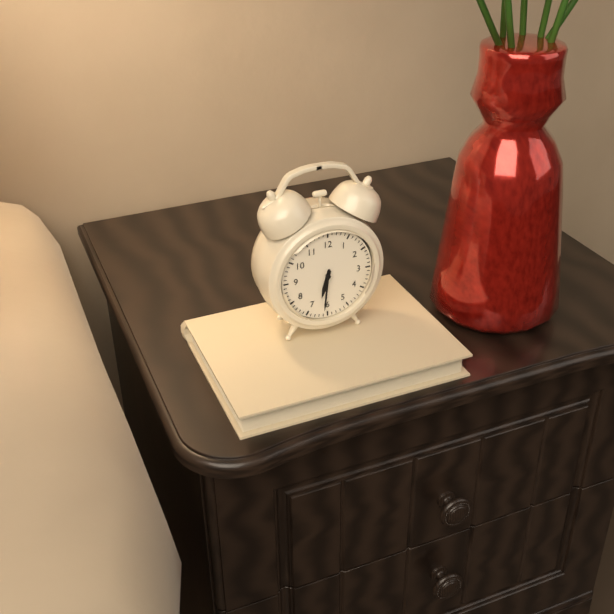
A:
6:31
